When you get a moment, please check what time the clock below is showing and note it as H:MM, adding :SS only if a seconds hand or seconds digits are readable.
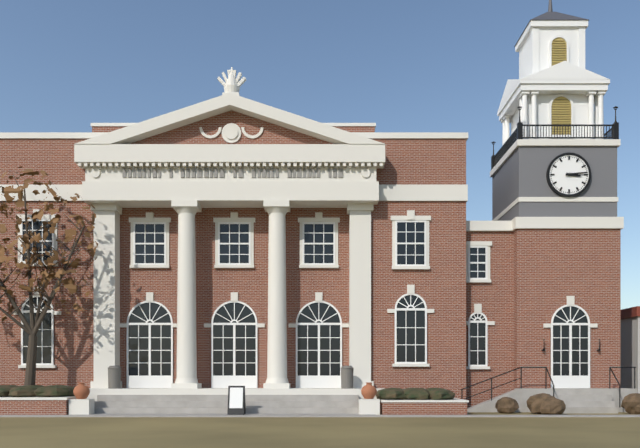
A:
3:14
